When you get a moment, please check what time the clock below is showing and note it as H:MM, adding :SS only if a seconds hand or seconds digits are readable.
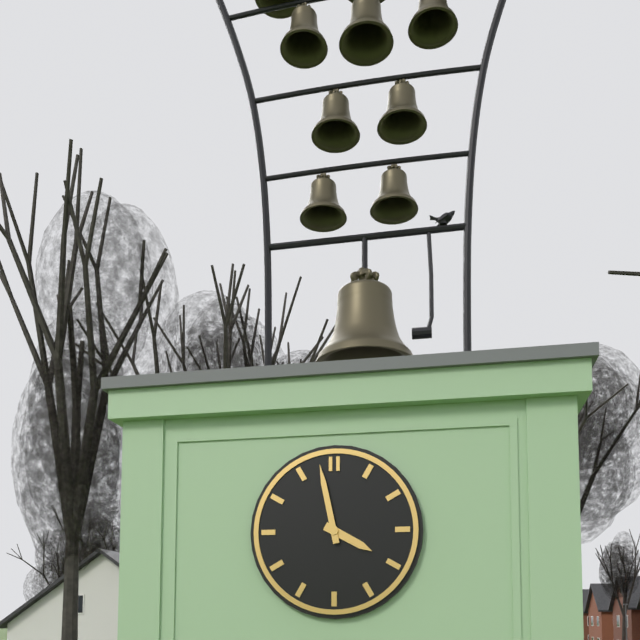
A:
3:58
